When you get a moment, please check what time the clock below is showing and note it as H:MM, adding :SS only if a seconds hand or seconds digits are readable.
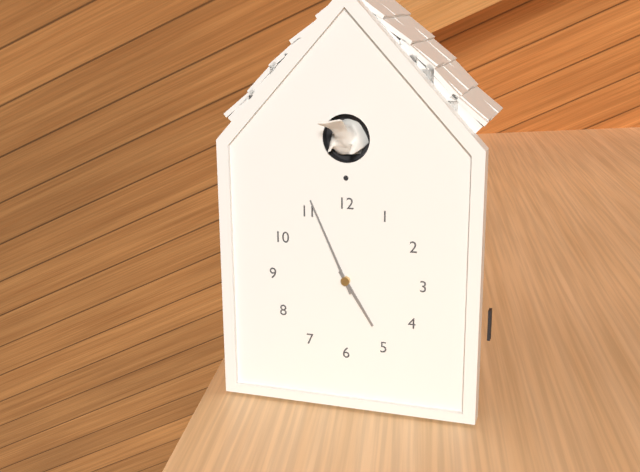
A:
4:56
